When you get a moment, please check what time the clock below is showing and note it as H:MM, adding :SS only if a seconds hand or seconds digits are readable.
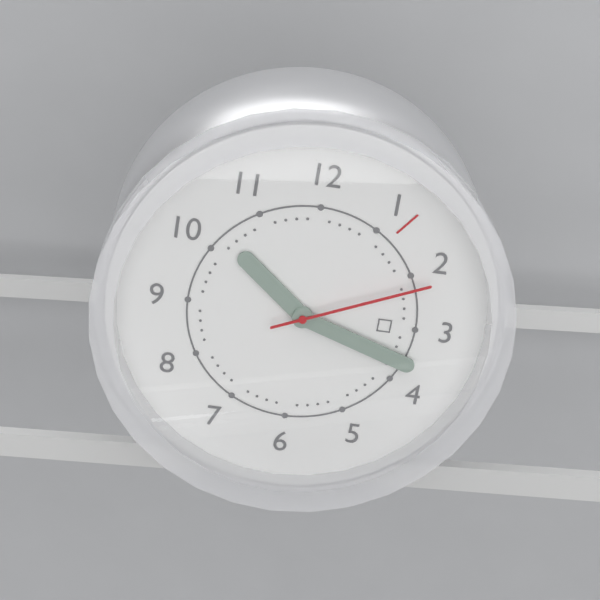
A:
10:18:11
